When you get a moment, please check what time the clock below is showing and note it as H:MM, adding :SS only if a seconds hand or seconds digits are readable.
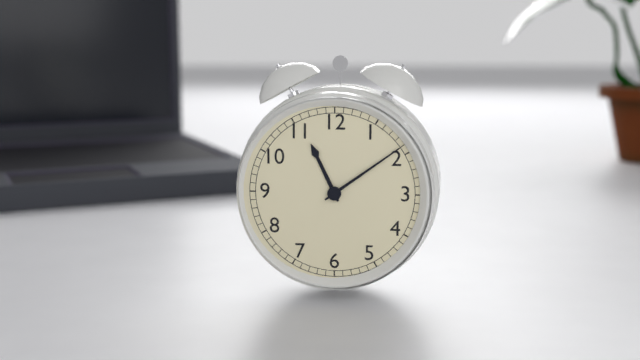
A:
11:09
